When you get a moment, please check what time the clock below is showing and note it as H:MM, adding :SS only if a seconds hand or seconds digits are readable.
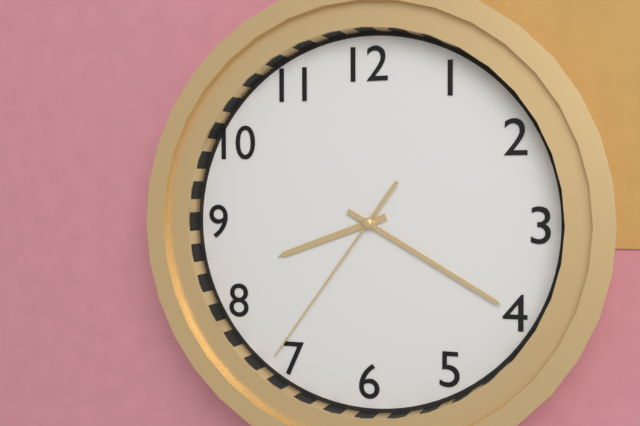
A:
8:20:36
